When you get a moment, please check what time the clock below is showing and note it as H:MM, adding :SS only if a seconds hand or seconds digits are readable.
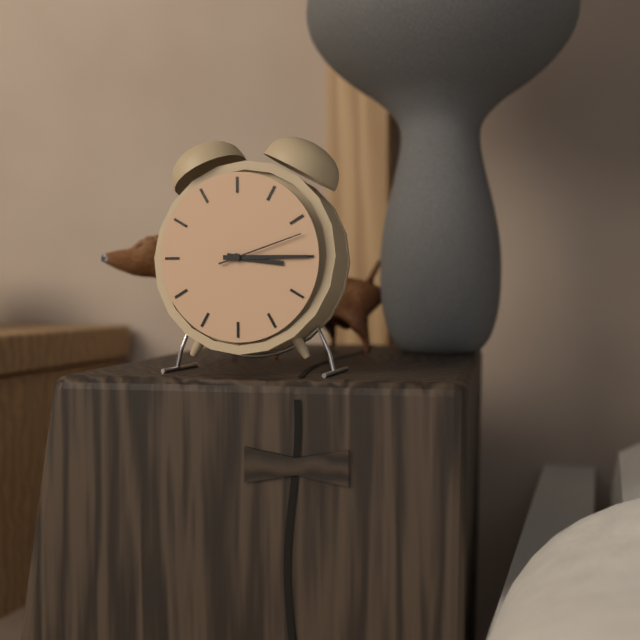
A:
3:15:12
